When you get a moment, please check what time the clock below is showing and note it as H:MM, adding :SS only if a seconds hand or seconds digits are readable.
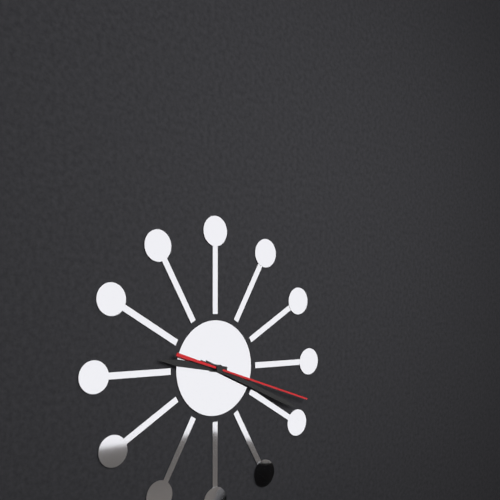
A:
9:19:18
